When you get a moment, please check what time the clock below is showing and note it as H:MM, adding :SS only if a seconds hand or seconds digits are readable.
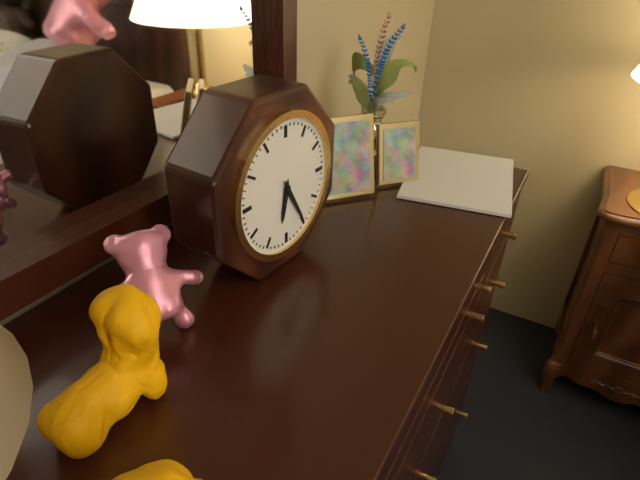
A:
6:25
